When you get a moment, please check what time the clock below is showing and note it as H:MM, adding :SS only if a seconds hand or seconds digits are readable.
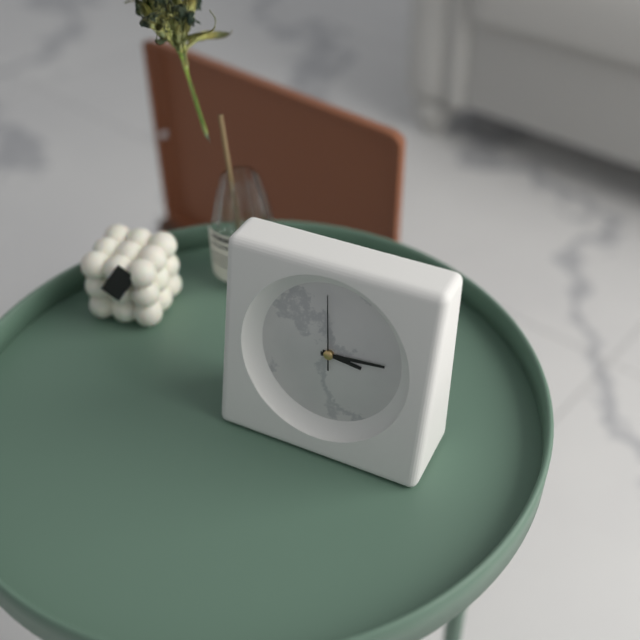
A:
3:14:59
